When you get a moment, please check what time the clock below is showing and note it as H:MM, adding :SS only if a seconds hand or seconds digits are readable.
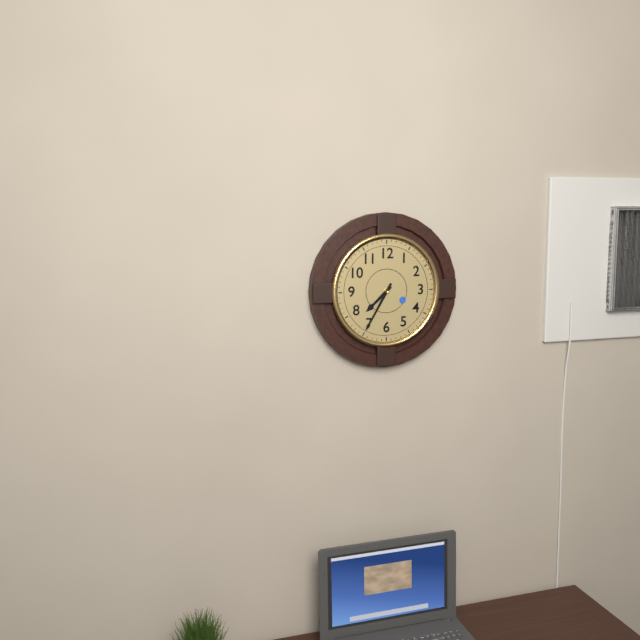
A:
7:35
